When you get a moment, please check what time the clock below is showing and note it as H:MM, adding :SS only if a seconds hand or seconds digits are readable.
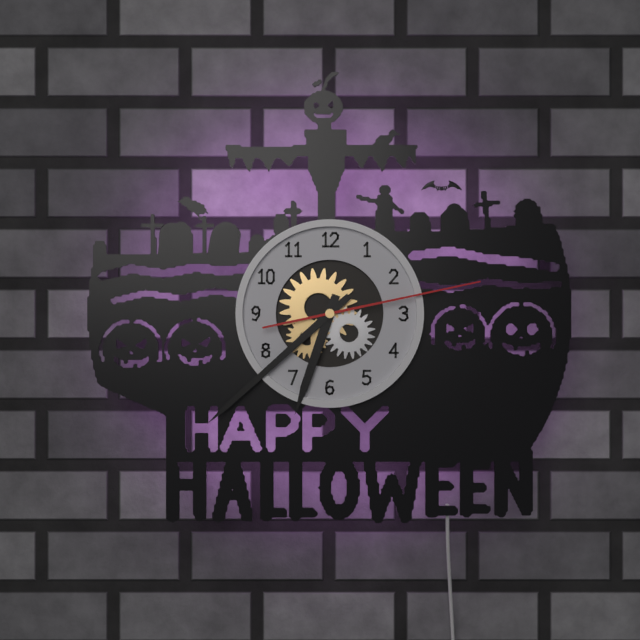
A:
6:38:13
